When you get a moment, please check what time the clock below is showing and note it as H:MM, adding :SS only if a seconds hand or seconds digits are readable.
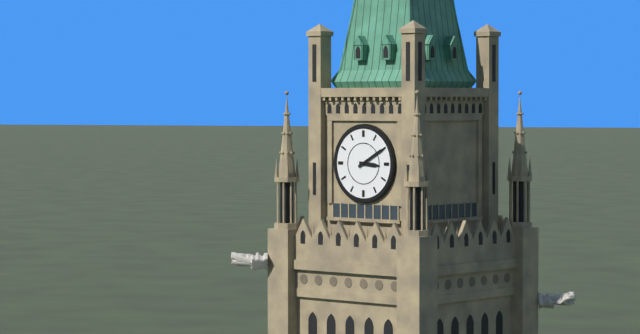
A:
3:10
